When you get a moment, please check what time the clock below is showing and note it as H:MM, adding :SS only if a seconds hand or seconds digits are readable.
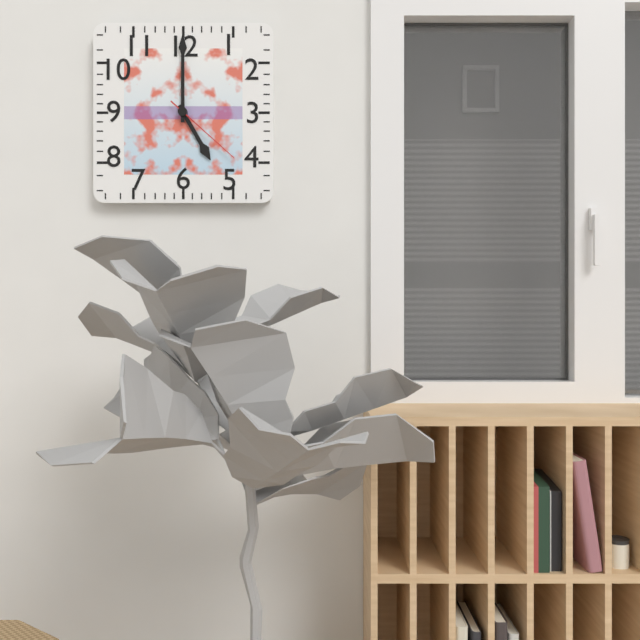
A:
5:00:22
